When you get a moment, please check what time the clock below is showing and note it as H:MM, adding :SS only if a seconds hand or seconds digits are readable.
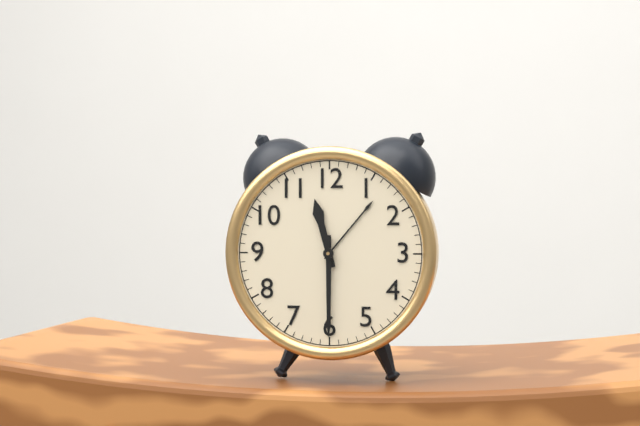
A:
11:30
